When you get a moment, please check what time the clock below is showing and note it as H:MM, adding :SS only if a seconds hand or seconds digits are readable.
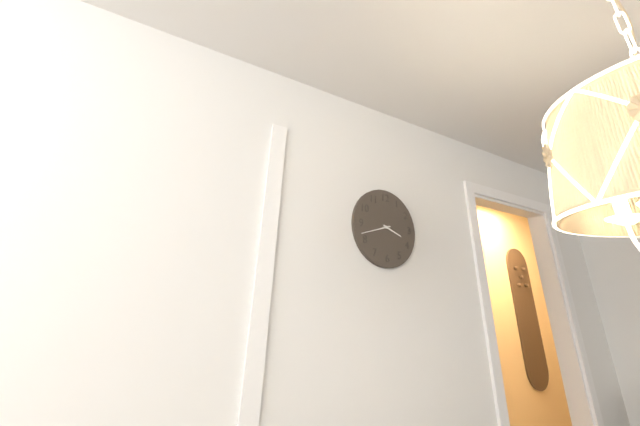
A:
3:42
